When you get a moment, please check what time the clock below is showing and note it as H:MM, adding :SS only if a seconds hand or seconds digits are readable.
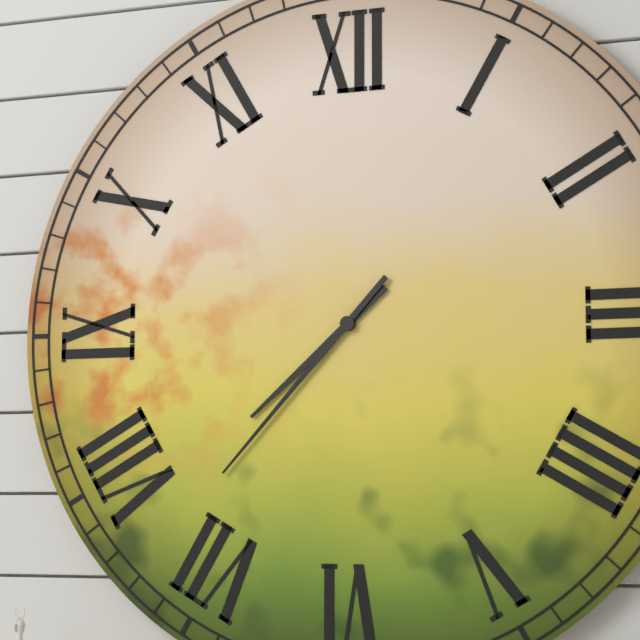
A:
7:37
